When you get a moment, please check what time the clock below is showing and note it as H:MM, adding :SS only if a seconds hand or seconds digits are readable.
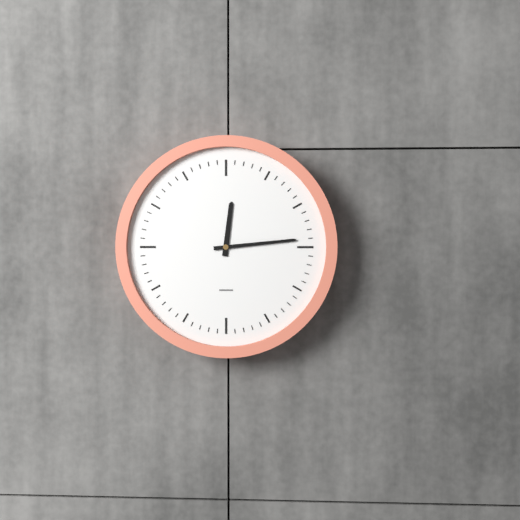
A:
12:14
